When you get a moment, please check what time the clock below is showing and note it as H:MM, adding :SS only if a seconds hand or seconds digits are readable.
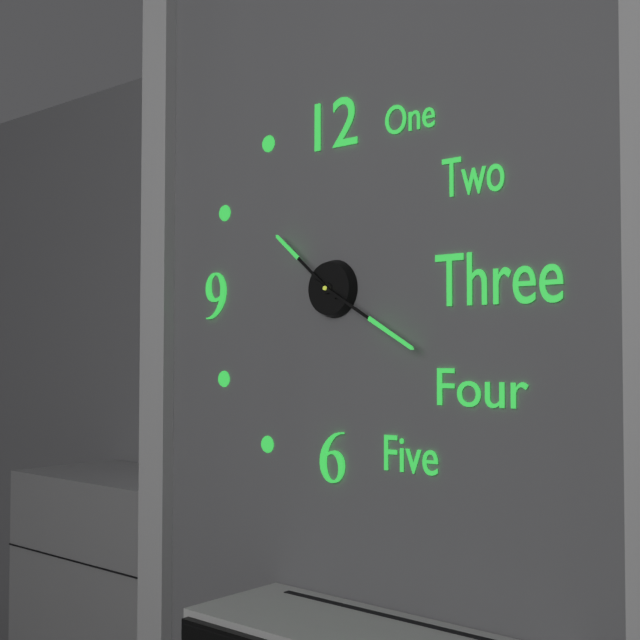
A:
10:20
